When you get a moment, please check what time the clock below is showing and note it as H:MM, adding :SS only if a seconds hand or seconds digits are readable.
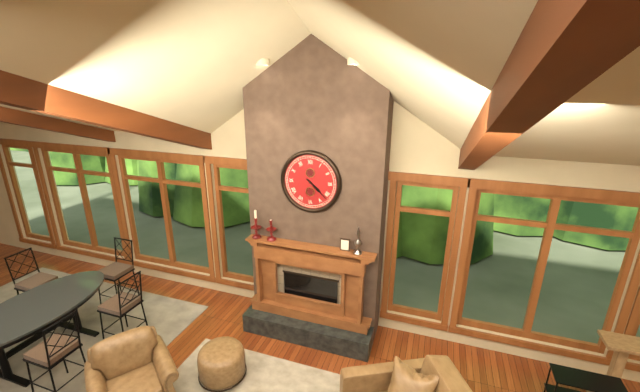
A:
4:22
